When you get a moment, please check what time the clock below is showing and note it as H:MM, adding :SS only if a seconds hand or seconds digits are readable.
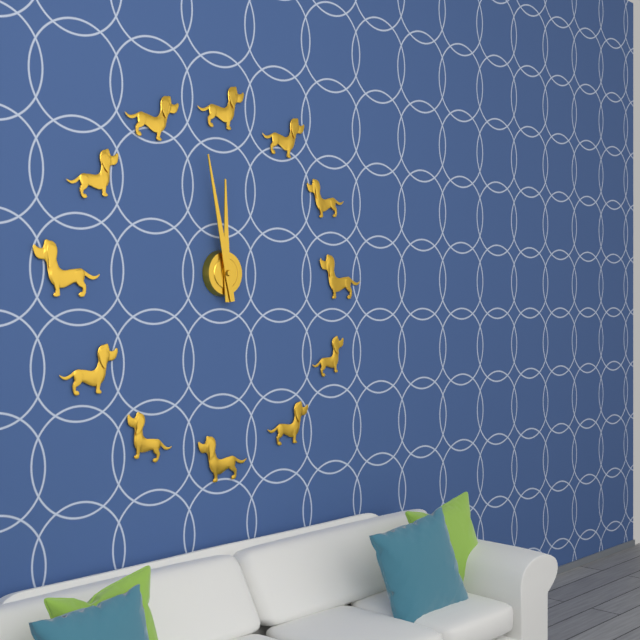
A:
11:58
